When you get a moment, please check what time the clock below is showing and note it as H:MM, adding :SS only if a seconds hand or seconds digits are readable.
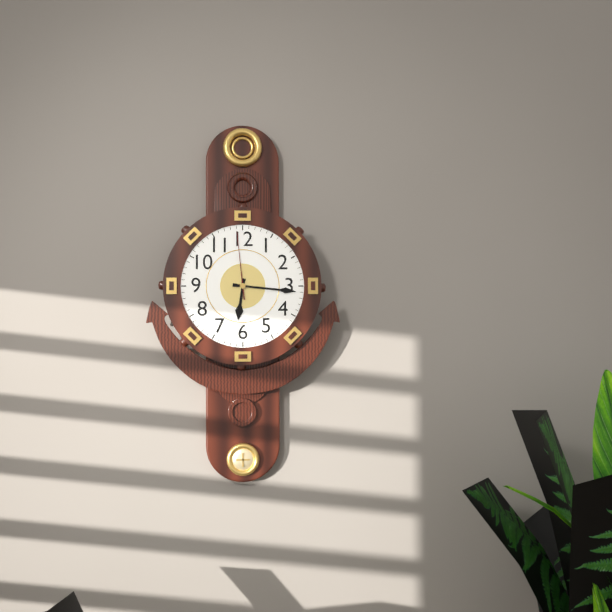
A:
6:16:59
